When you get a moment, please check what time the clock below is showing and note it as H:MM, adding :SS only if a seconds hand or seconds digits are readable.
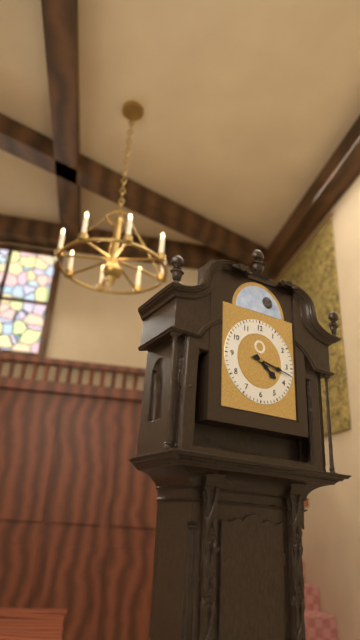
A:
4:17
